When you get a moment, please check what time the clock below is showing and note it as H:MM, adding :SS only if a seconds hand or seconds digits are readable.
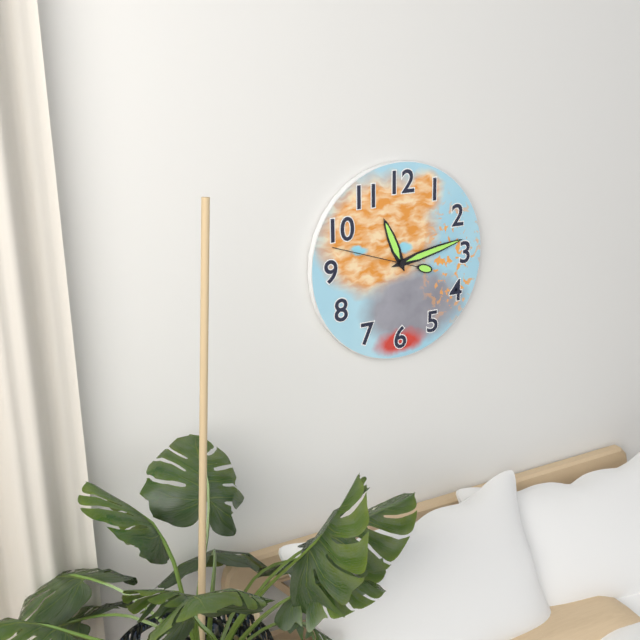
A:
11:13:48
